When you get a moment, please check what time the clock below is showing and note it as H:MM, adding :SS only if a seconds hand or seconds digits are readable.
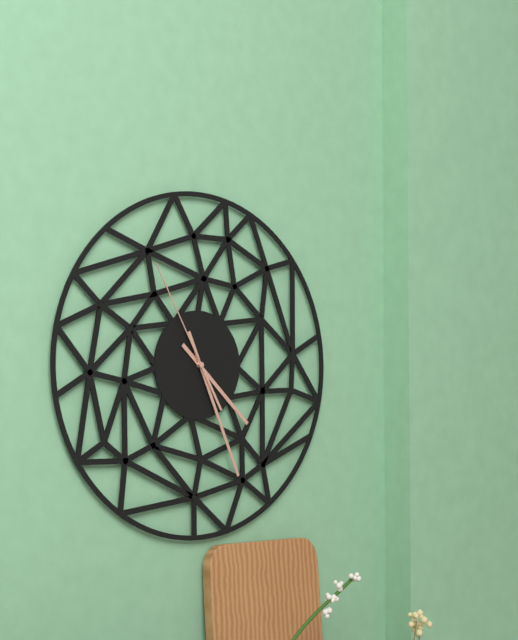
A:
4:26:55
